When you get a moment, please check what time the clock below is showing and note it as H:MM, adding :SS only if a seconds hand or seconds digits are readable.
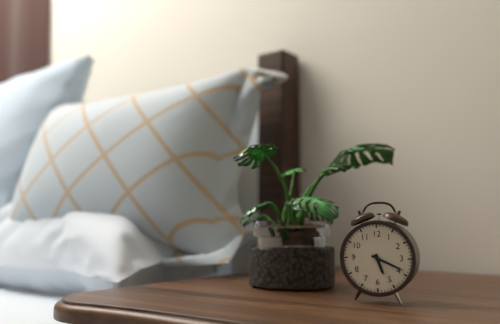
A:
5:19
